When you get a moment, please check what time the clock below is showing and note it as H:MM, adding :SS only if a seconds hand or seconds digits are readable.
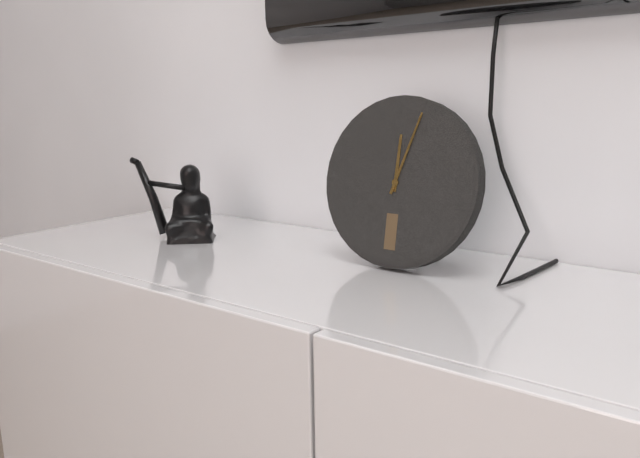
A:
12:03
